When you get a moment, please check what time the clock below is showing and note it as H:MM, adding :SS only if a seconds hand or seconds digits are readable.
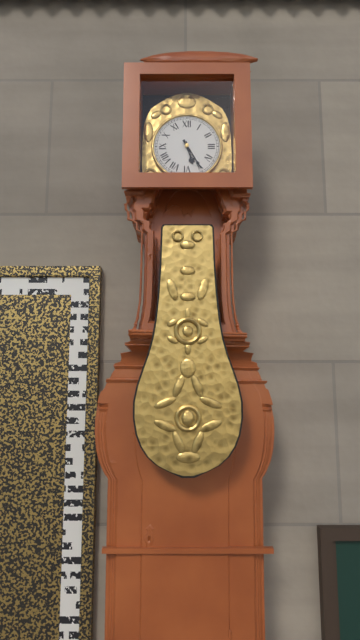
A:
5:25
